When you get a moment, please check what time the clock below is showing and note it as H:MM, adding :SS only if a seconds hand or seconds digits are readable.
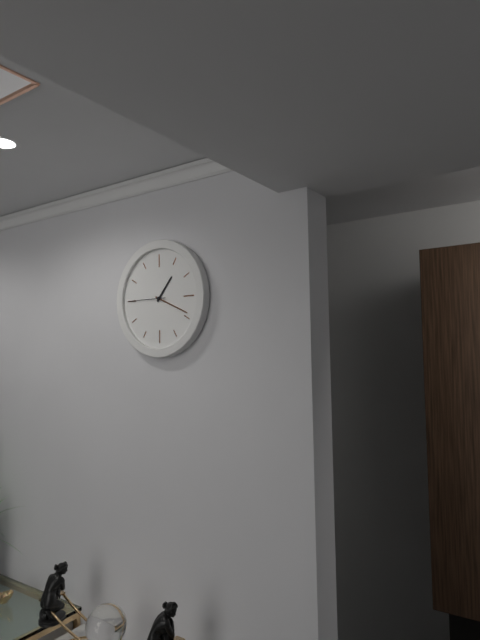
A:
1:19
